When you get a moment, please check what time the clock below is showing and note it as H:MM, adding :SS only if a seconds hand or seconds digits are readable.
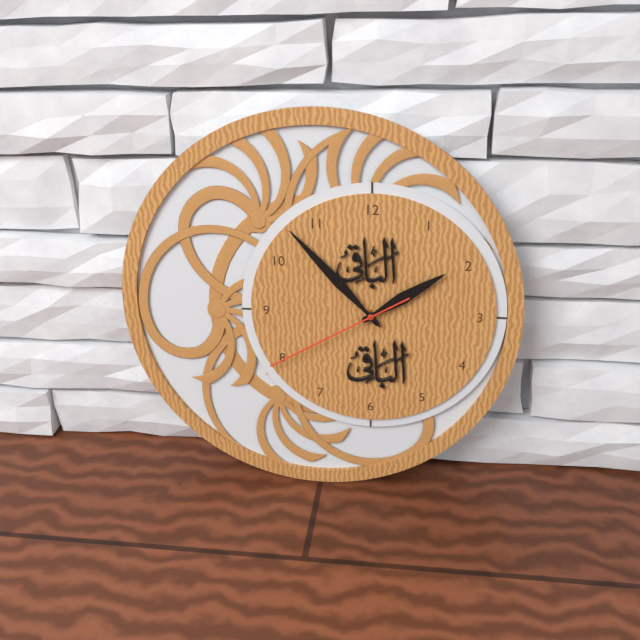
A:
1:53:40
